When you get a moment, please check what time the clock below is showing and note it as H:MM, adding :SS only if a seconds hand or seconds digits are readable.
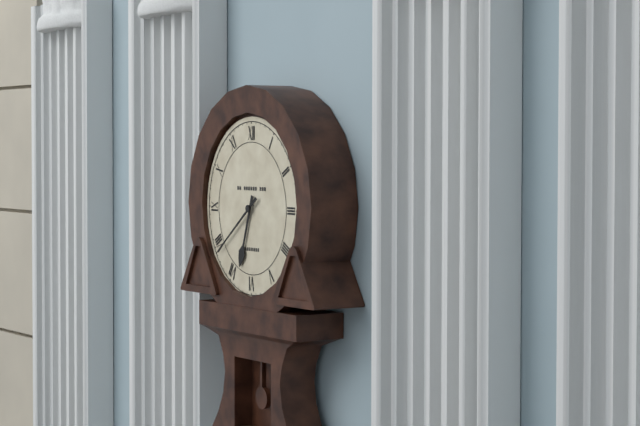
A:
6:39
